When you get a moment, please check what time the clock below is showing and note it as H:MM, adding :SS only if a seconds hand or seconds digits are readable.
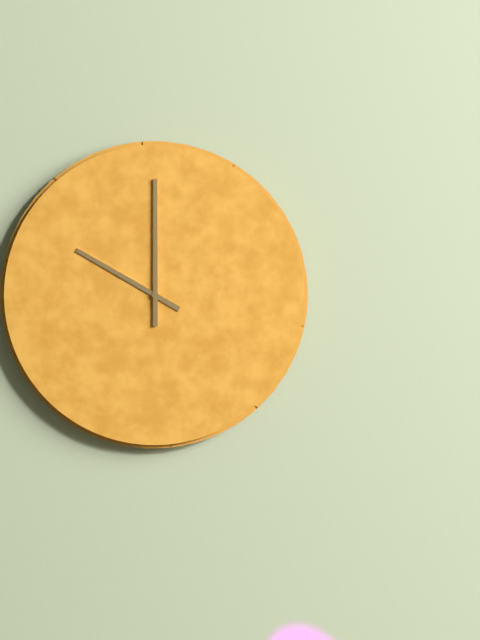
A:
10:00
